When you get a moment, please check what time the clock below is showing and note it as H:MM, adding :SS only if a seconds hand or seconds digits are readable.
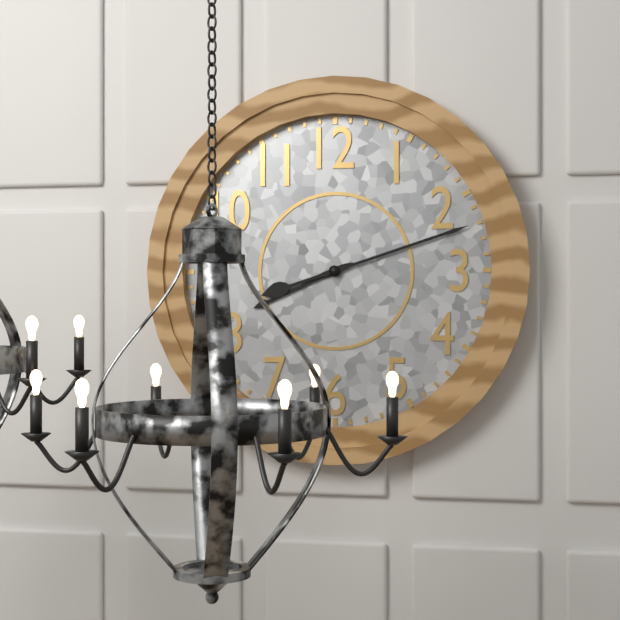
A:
8:12
